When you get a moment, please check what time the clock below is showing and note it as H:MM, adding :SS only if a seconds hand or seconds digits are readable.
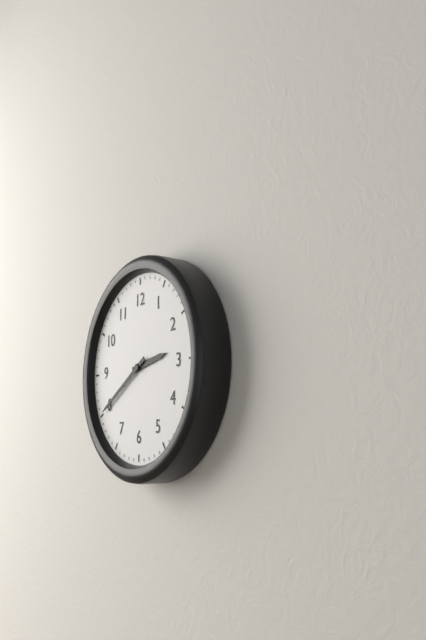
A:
2:40
